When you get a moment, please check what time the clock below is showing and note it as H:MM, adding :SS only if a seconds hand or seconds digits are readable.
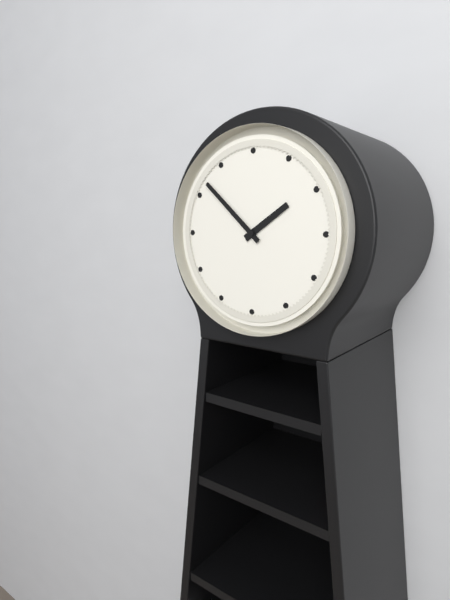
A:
1:52
